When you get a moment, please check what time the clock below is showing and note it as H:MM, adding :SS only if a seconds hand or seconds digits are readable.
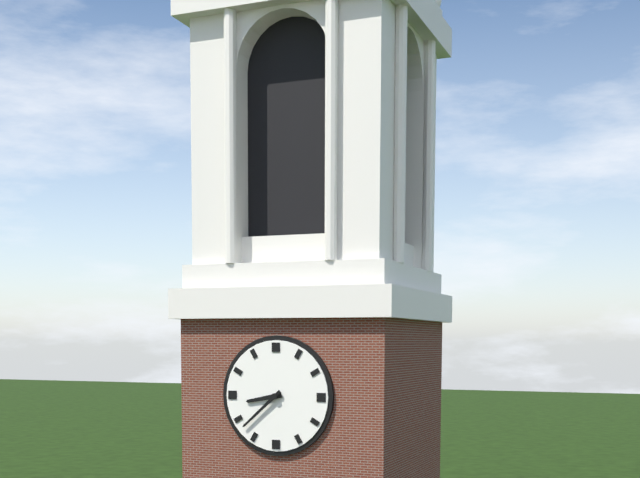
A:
8:38
